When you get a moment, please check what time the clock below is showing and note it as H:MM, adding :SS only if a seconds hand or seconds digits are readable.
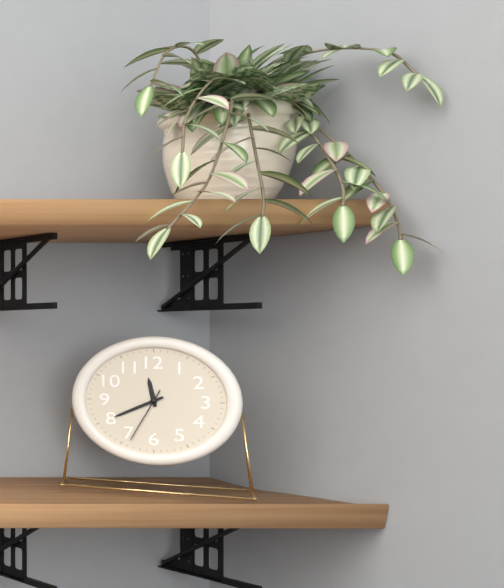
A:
11:40:34
